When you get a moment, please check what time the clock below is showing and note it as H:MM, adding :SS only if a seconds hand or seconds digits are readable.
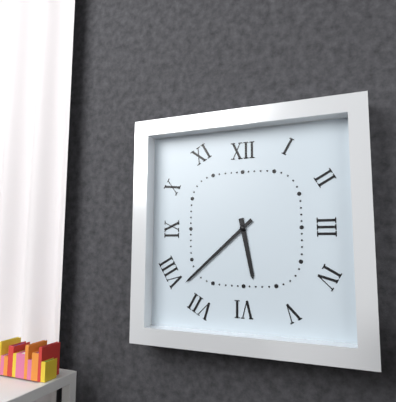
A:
5:38
